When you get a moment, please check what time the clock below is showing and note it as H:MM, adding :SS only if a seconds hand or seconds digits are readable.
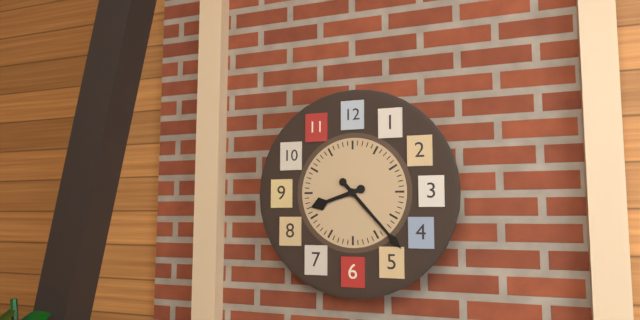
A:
8:23
